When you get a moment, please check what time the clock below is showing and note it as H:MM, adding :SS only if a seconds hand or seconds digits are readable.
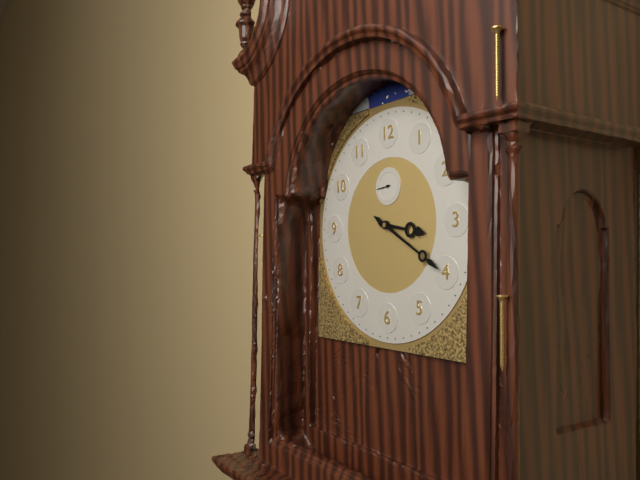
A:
3:20
